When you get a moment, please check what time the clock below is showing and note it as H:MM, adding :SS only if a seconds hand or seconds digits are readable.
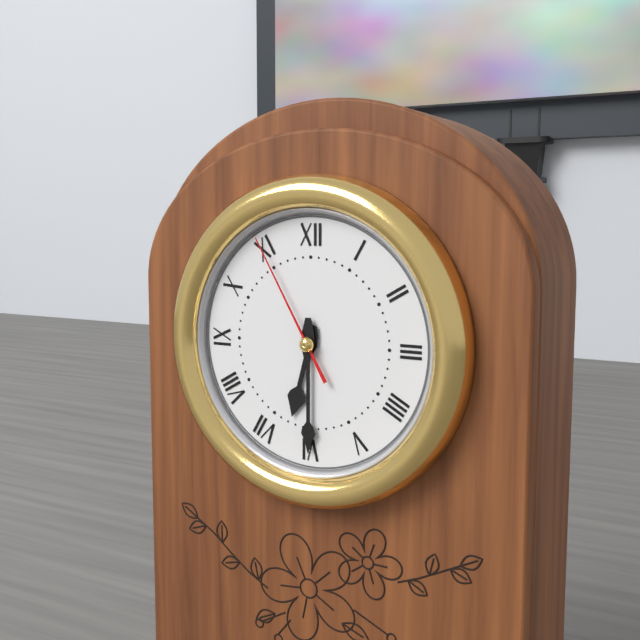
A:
6:30:55
